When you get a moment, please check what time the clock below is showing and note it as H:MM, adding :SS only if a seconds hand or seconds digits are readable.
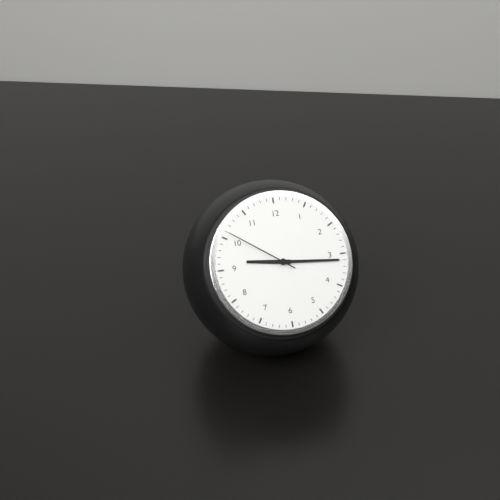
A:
9:16:51
